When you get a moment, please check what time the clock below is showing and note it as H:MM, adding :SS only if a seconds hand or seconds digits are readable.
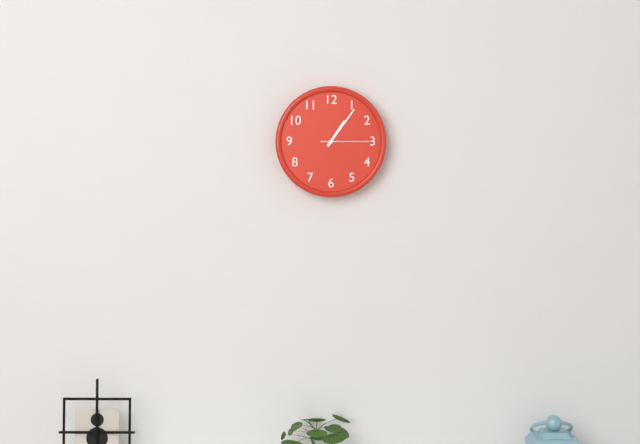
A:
1:06:15
